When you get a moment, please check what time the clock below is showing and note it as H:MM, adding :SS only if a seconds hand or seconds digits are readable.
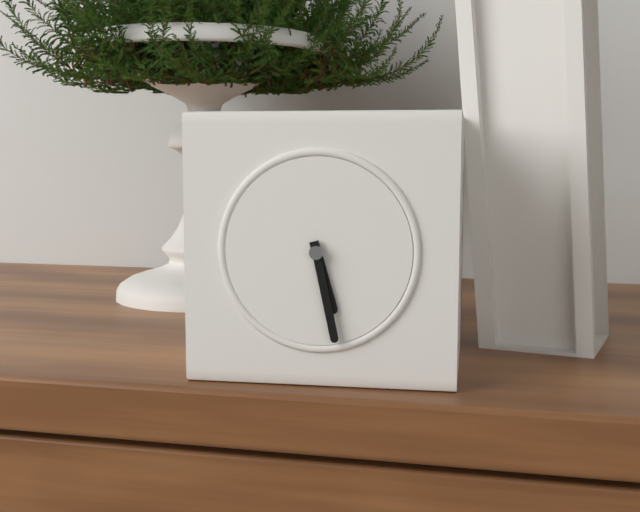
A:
5:28
